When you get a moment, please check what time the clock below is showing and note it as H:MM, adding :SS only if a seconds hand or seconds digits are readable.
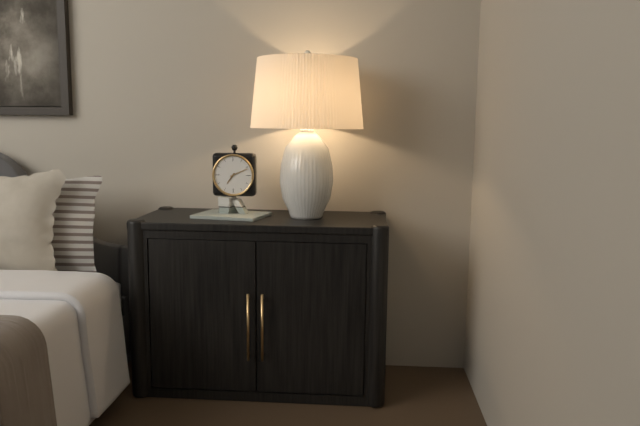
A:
7:11
